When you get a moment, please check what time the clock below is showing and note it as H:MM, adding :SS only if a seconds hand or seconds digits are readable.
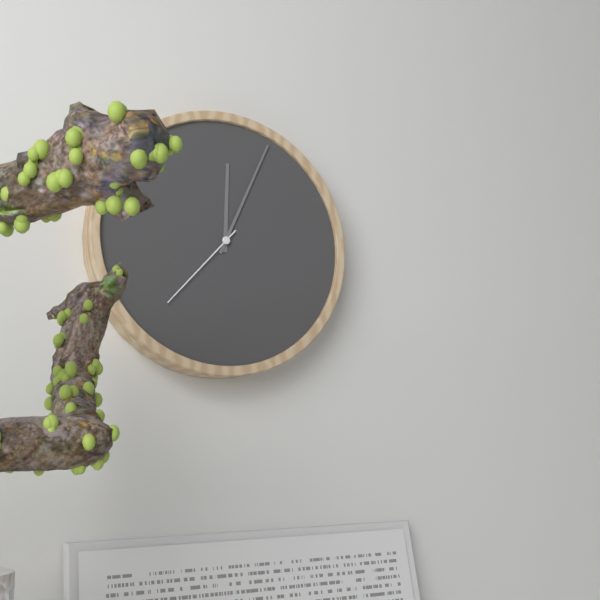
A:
12:04:37
